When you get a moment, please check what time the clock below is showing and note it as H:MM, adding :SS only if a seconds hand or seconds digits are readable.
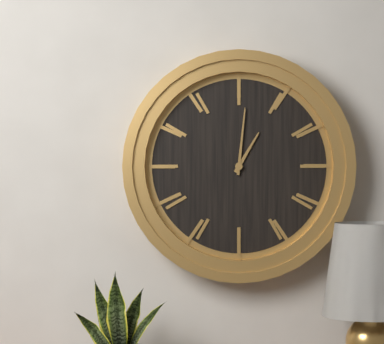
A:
1:01
